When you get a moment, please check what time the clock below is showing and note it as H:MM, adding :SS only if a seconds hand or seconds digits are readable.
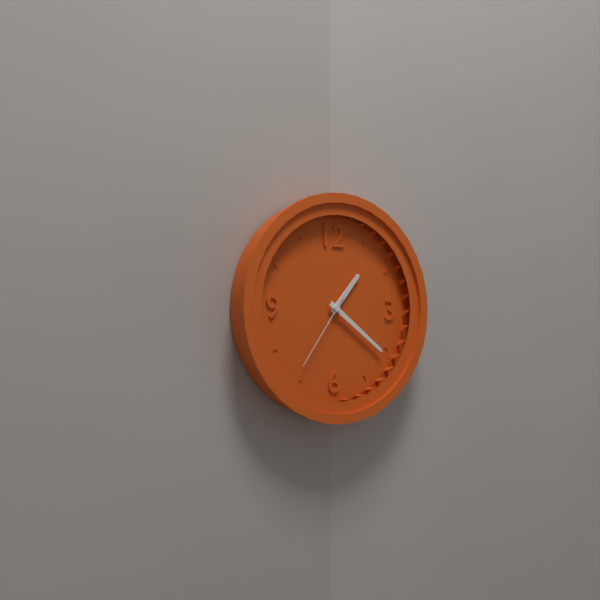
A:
1:21:36
